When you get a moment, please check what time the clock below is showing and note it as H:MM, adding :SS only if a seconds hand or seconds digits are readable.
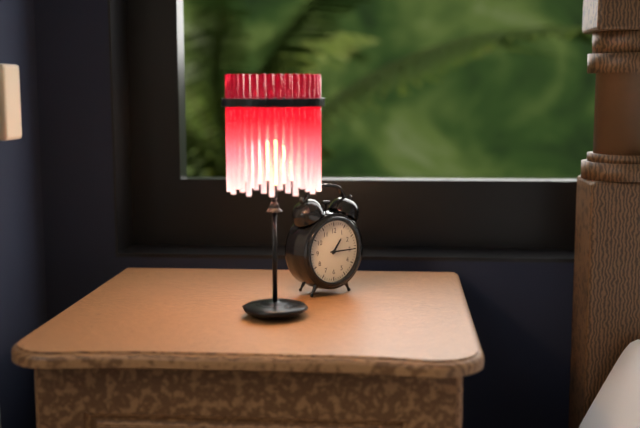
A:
1:15
